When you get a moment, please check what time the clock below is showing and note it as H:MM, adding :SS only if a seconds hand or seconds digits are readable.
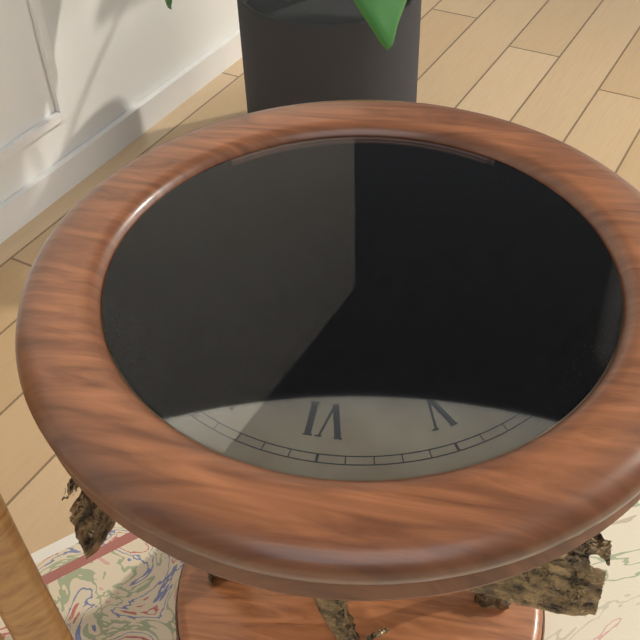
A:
10:51
